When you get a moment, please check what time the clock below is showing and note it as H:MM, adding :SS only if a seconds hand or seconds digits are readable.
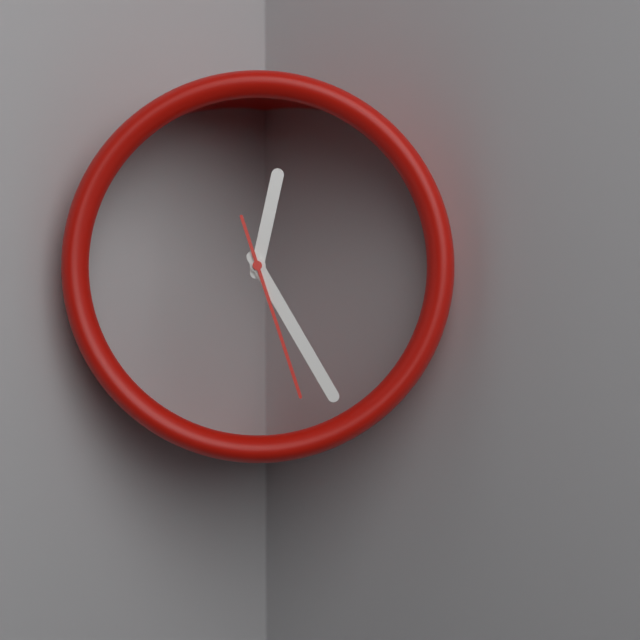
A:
12:25:27
